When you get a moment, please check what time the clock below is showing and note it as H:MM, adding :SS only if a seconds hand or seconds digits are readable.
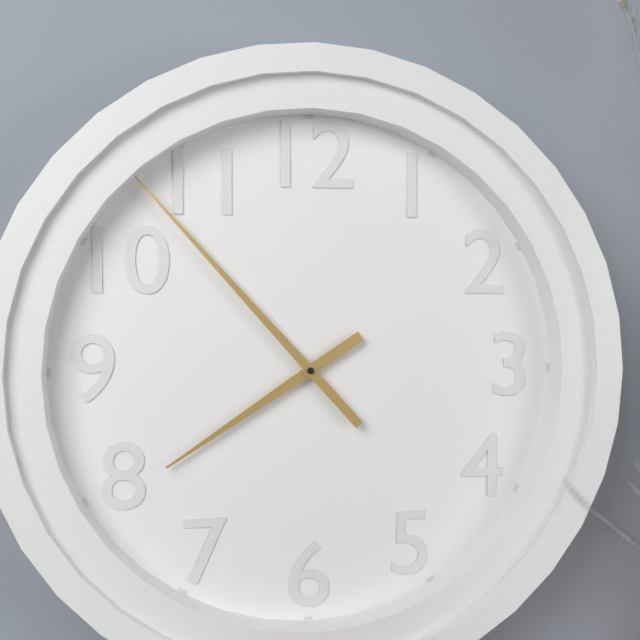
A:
7:53
